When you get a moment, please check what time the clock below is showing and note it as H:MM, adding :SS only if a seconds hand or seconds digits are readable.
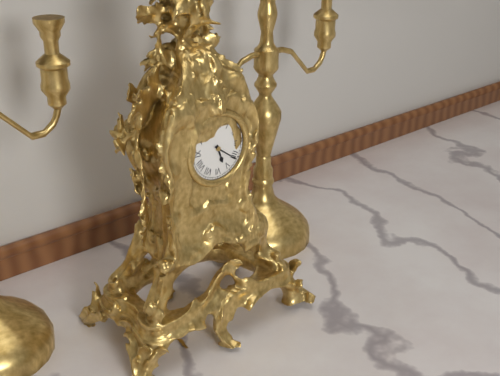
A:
5:21
